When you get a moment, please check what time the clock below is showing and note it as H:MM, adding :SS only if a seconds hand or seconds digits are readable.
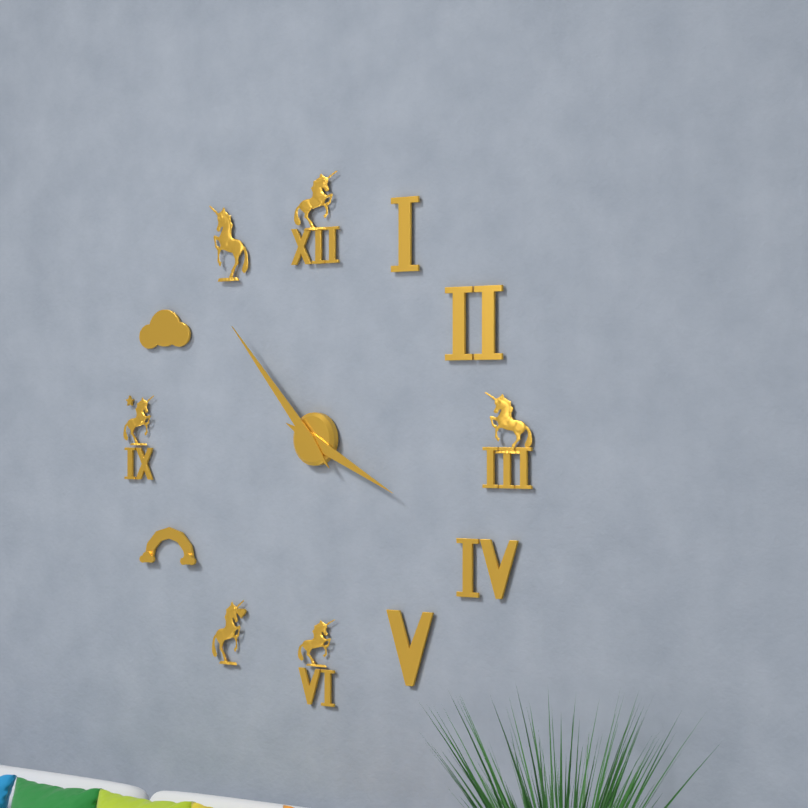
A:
3:53
